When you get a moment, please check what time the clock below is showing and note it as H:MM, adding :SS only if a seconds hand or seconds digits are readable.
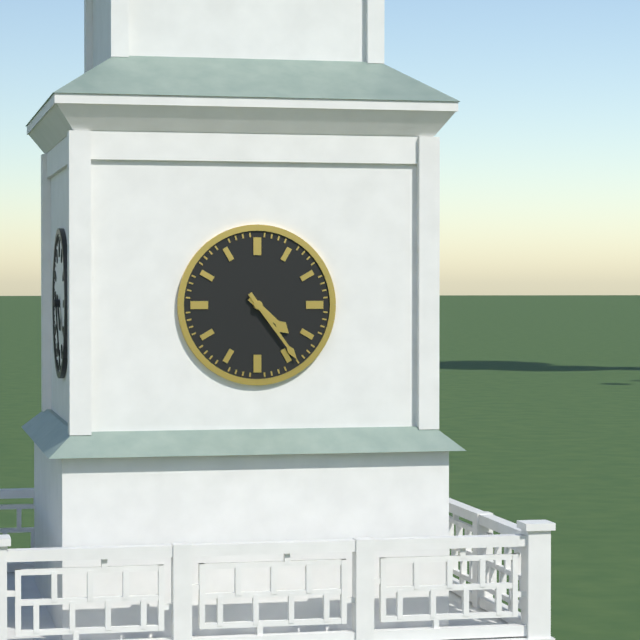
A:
4:24
